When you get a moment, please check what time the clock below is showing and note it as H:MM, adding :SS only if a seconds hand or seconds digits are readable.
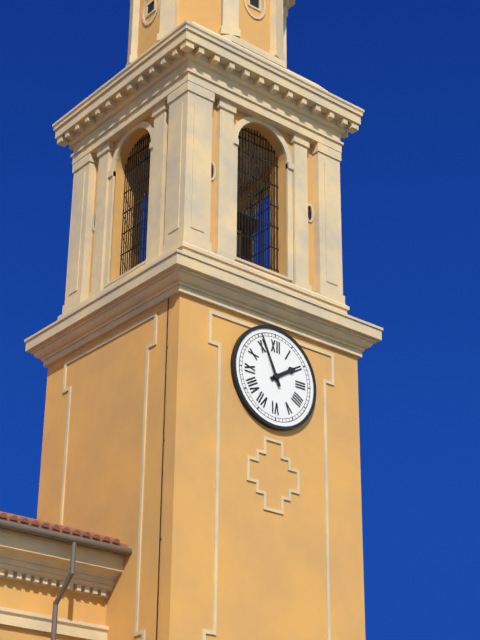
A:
1:56
